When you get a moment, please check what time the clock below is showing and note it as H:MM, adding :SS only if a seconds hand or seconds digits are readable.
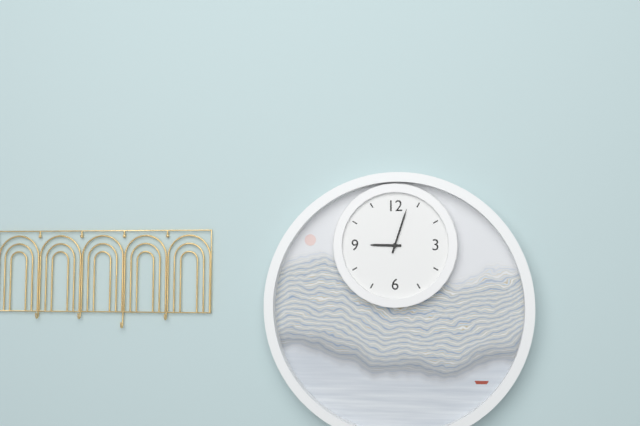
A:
9:03
